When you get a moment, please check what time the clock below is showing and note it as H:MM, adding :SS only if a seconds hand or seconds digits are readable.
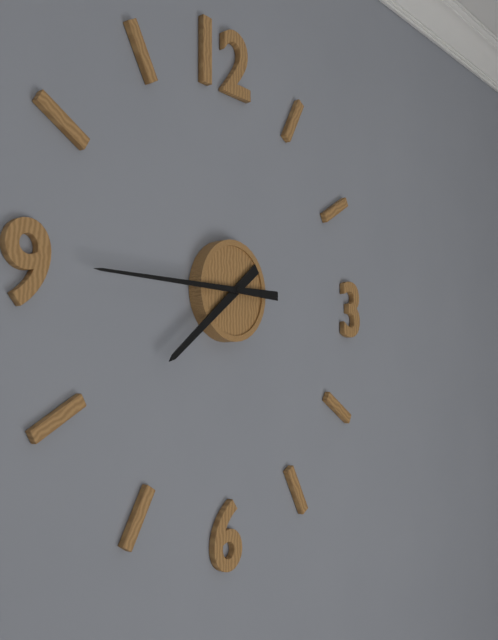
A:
7:45
